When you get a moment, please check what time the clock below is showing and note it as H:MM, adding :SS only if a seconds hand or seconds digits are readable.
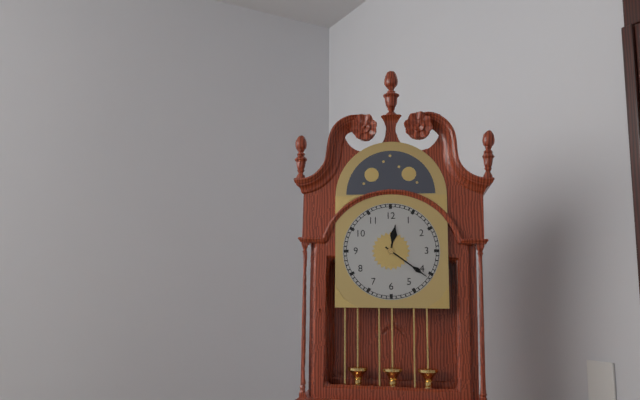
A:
12:21
